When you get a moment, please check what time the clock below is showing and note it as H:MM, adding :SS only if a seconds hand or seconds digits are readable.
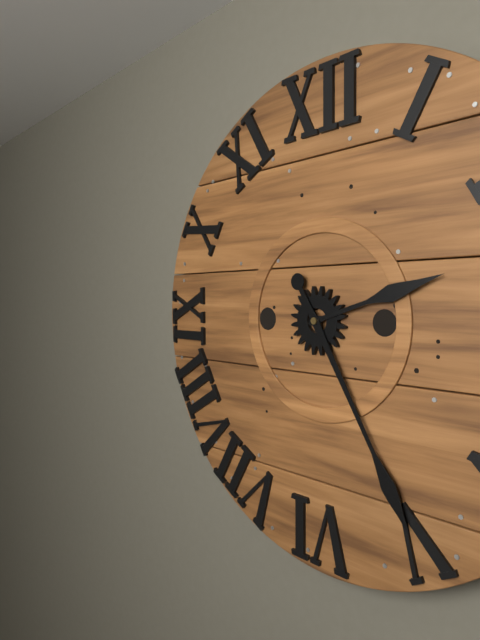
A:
2:25
